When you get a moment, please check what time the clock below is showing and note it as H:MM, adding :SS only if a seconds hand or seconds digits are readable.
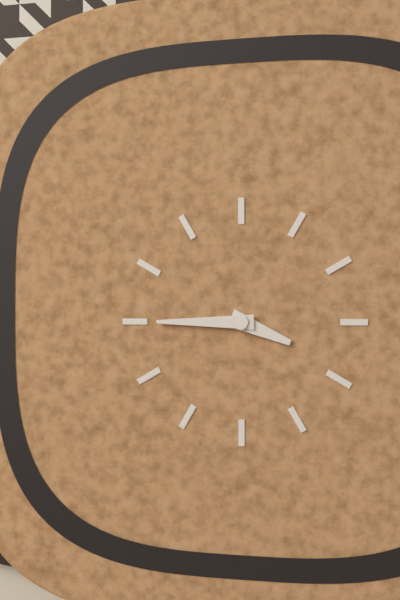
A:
3:45
